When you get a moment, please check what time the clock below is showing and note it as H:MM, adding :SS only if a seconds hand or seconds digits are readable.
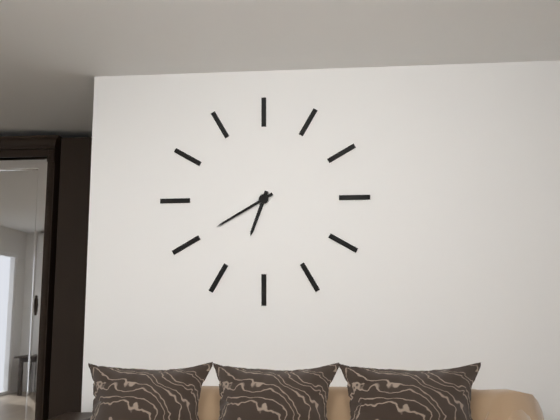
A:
6:40
